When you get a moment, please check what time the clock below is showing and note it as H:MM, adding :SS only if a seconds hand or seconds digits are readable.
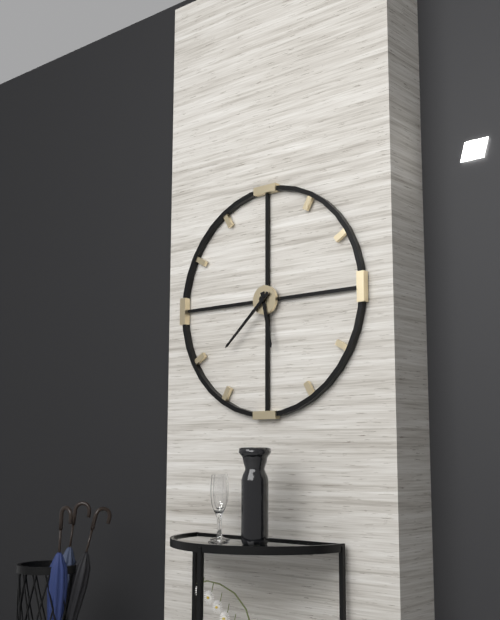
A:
5:38
